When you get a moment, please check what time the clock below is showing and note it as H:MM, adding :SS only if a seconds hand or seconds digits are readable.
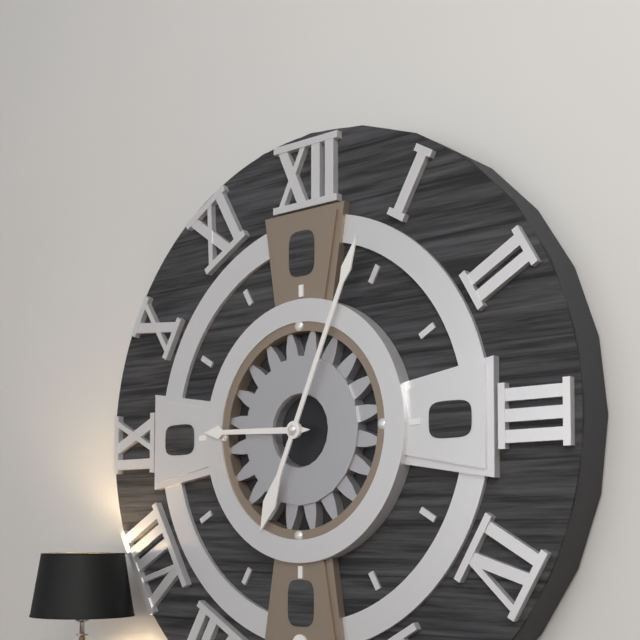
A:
9:04
